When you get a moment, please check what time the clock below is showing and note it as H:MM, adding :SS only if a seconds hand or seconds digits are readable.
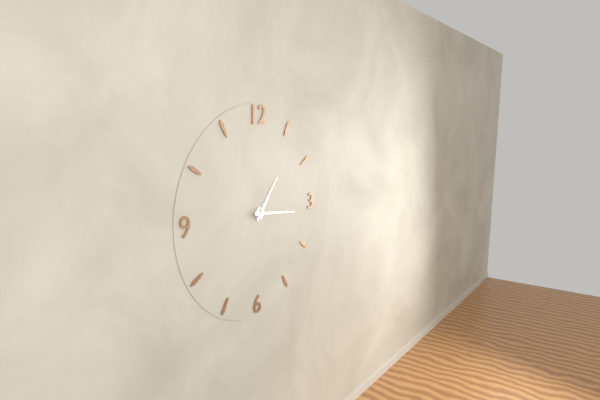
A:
1:16
